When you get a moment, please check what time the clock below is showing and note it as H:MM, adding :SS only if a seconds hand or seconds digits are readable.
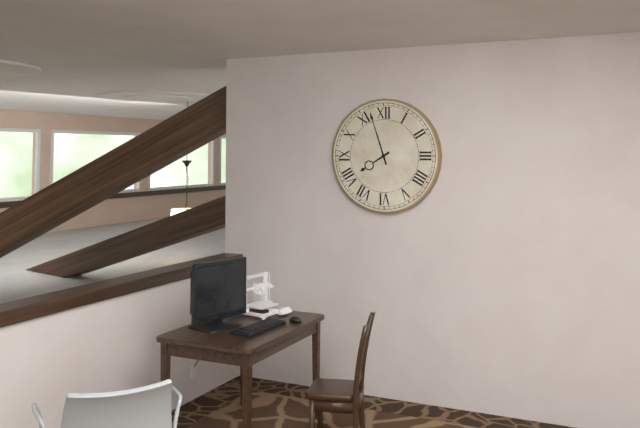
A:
7:57
